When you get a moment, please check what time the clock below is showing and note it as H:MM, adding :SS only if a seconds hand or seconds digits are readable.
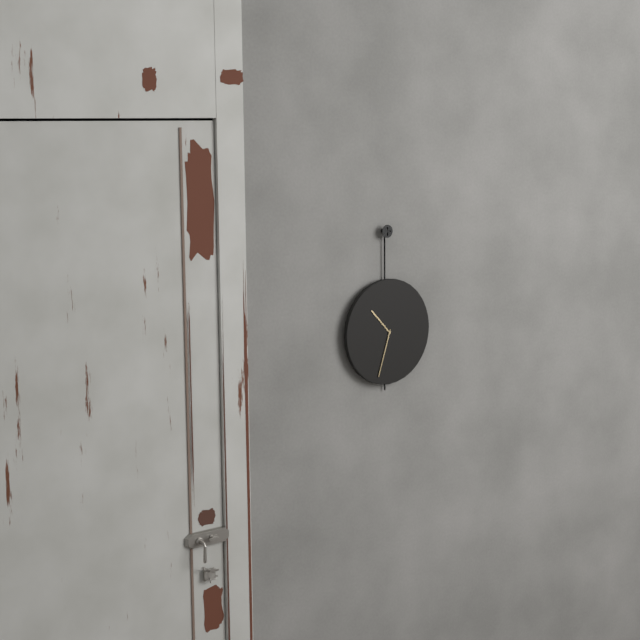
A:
10:33
